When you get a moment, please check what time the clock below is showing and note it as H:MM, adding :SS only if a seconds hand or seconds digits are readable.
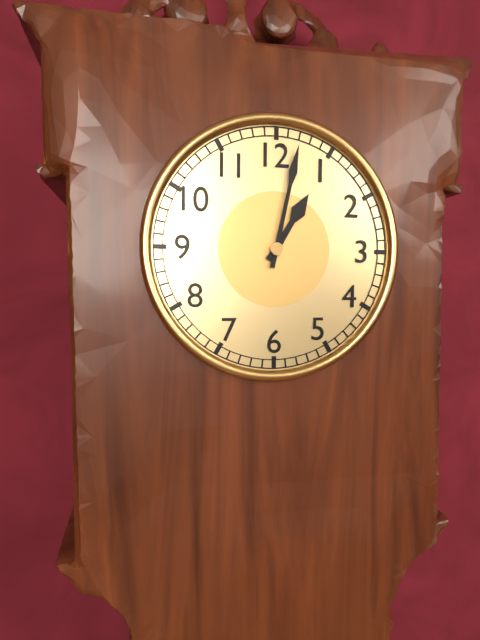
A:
1:02
